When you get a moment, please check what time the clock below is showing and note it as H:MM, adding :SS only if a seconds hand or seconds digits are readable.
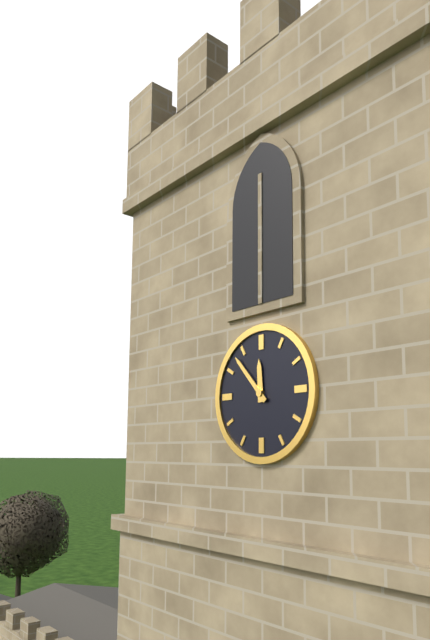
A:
11:53
